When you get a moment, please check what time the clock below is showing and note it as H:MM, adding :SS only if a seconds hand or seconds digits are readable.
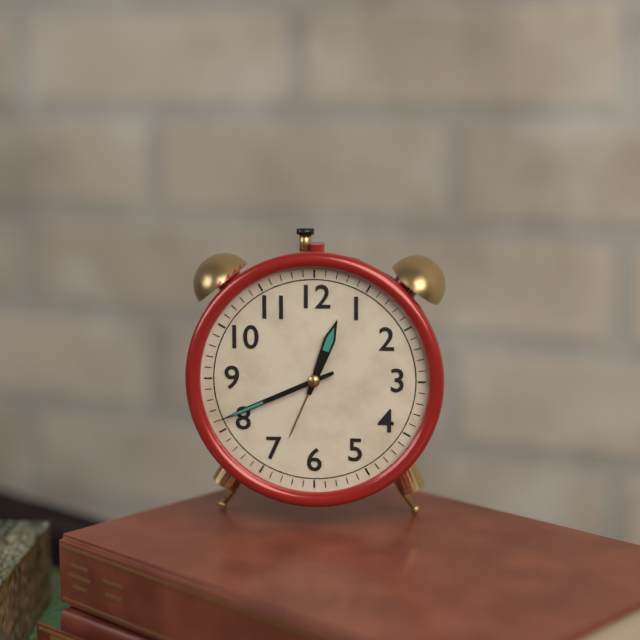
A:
12:41
